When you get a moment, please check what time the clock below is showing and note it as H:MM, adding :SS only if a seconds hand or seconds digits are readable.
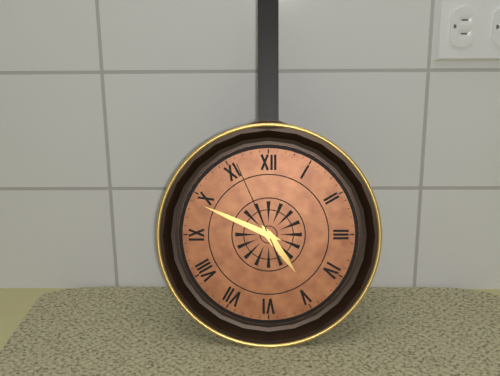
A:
4:49:56
